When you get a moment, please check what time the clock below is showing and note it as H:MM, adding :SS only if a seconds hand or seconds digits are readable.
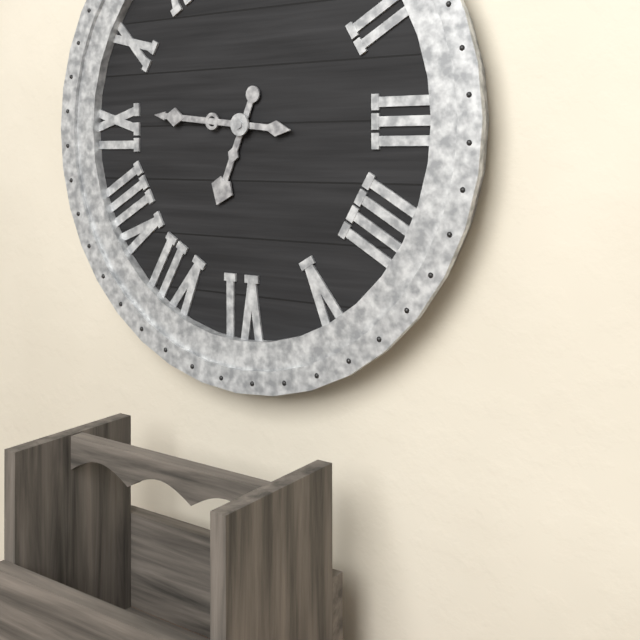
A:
6:46
